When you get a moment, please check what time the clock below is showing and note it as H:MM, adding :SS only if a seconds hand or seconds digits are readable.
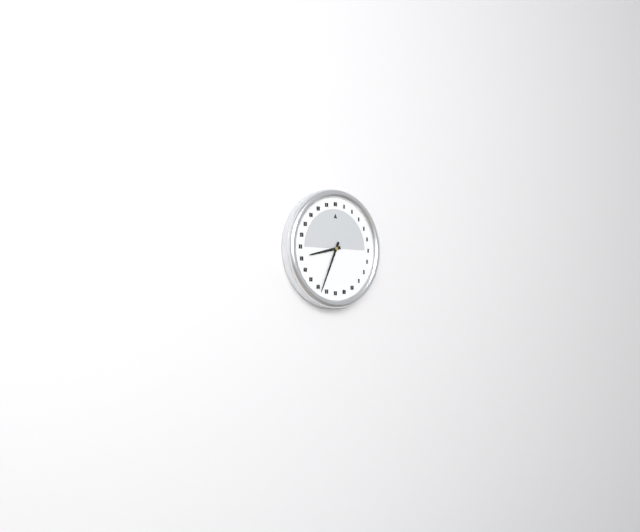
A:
8:34
